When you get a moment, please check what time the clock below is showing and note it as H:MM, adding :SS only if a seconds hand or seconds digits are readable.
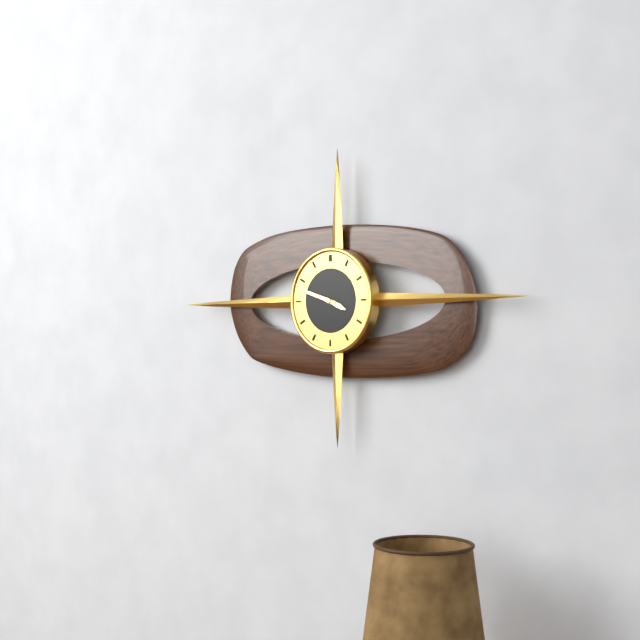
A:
3:48
